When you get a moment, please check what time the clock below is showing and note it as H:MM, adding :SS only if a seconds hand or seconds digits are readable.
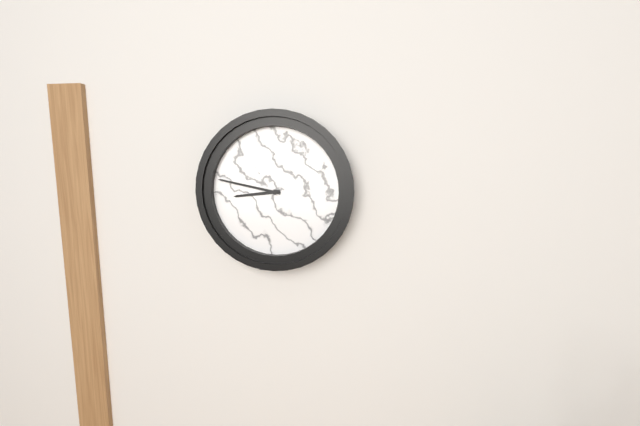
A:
8:47
